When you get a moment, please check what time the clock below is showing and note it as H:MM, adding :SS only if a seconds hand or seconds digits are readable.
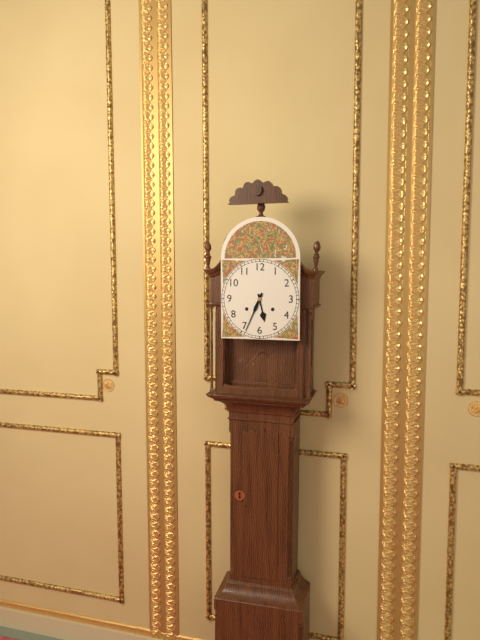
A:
5:34
